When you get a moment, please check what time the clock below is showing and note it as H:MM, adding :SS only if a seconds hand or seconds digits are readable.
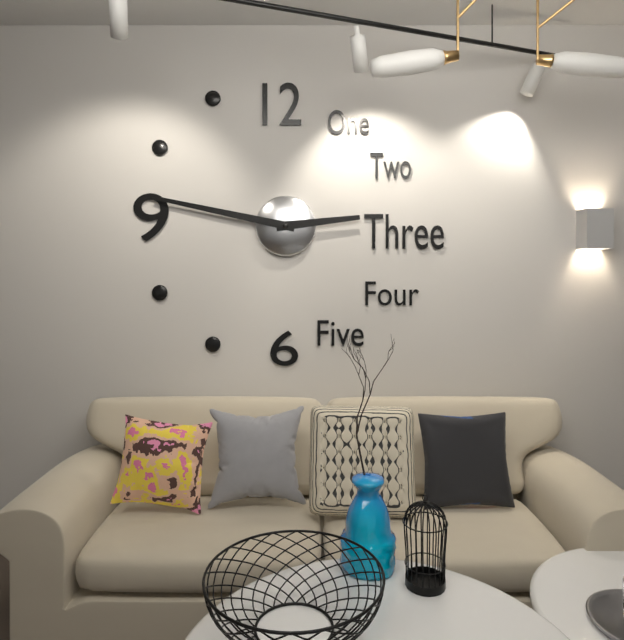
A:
2:47
